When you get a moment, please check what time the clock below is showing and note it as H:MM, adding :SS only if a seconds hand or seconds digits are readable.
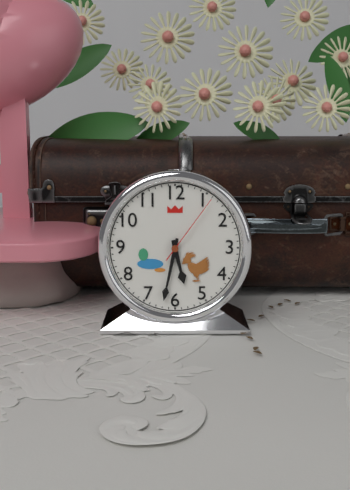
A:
5:32:06
